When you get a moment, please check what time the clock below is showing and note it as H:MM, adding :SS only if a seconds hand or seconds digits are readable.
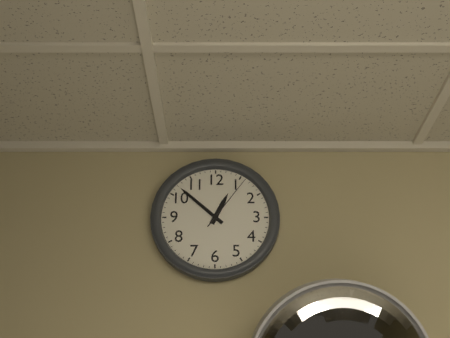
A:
12:52:06
